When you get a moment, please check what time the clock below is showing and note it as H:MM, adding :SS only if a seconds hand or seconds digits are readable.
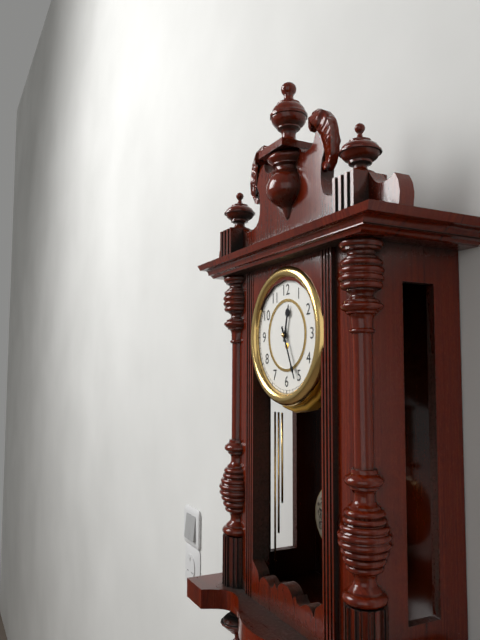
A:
12:26
